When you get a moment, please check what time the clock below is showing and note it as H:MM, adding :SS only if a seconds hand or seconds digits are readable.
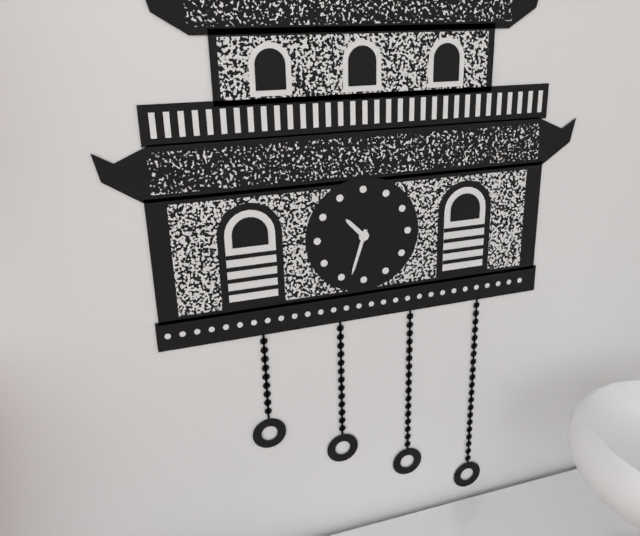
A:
10:33
